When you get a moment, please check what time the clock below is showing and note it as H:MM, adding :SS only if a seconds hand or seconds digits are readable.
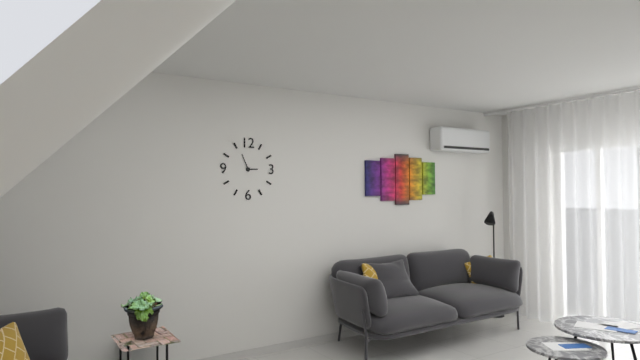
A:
2:56
